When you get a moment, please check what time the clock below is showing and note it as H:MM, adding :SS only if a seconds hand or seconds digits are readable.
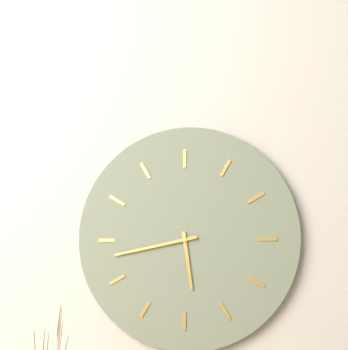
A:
5:43
